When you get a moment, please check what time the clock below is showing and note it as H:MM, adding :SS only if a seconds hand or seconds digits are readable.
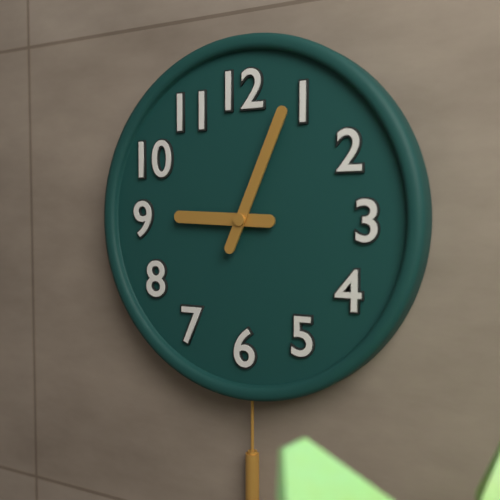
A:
9:04
